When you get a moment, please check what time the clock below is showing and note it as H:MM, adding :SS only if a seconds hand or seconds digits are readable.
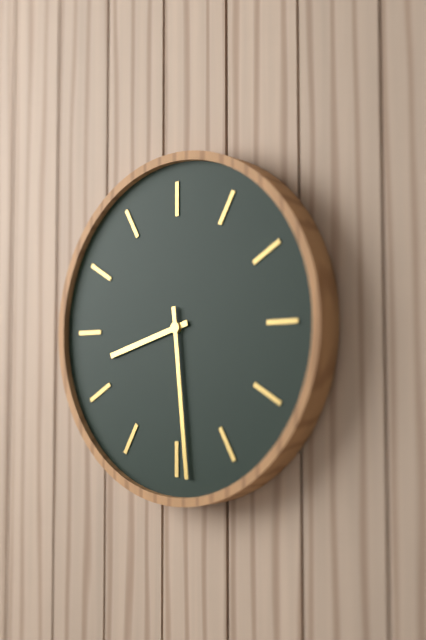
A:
8:29
